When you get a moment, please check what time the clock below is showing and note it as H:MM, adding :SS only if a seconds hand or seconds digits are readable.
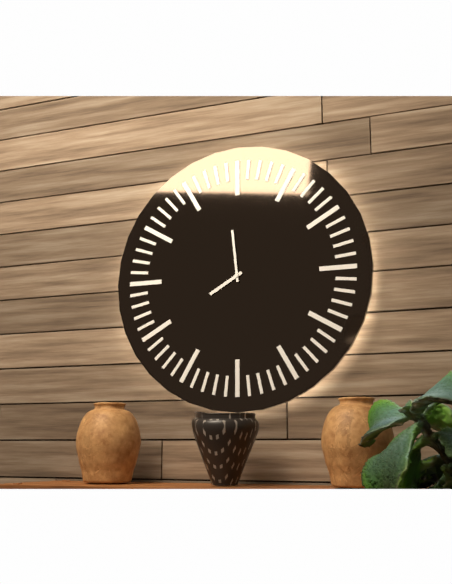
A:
7:59
